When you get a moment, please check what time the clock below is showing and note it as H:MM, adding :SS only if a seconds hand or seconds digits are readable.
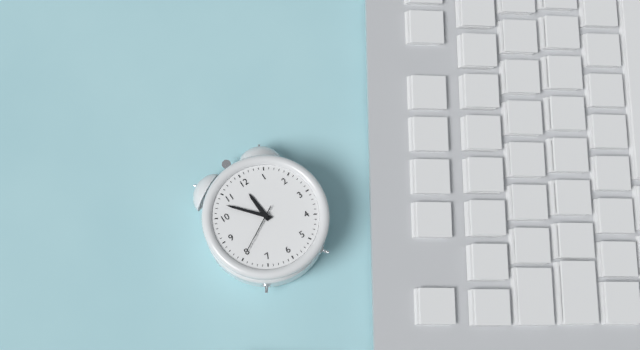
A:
11:53:40
